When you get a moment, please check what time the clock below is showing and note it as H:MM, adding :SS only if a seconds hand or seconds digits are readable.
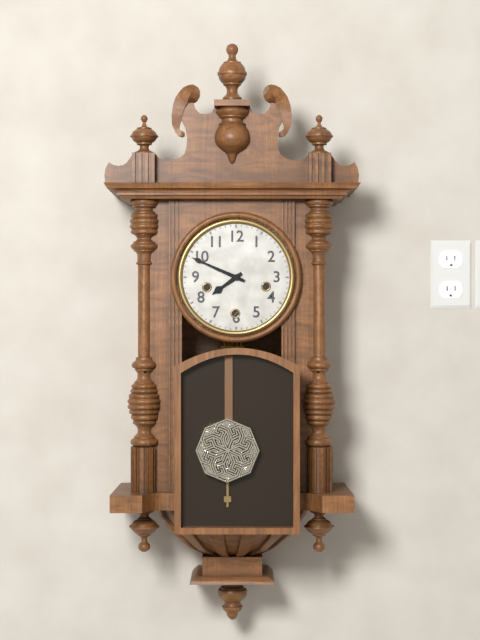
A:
7:49
